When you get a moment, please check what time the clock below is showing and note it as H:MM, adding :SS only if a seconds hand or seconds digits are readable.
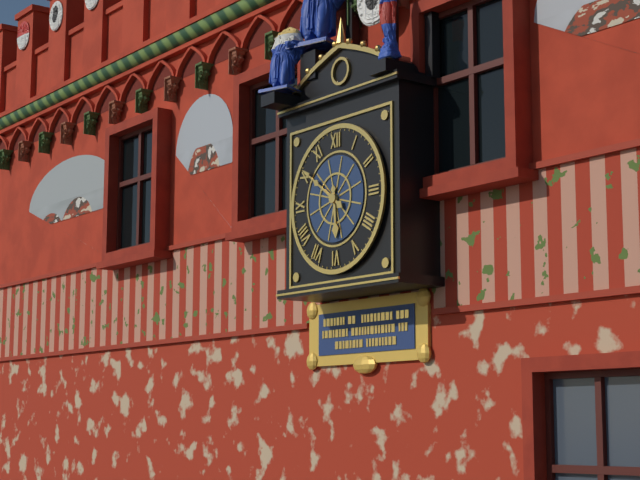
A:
5:51
